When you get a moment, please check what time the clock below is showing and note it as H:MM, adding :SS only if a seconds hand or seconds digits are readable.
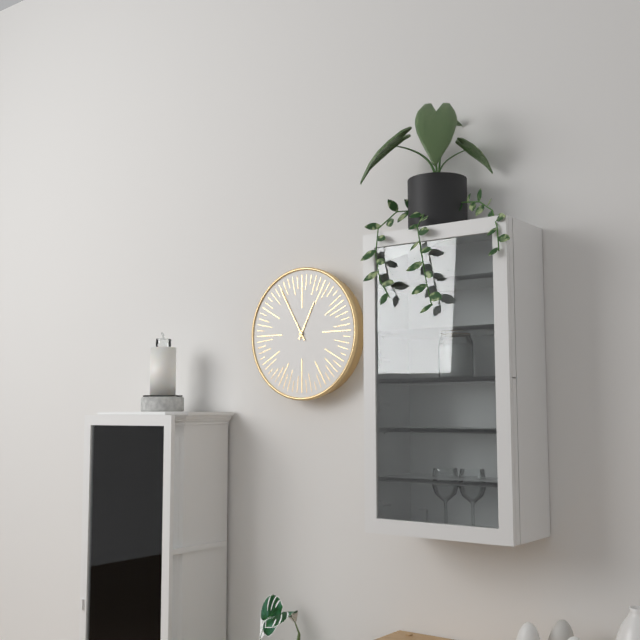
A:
12:55
